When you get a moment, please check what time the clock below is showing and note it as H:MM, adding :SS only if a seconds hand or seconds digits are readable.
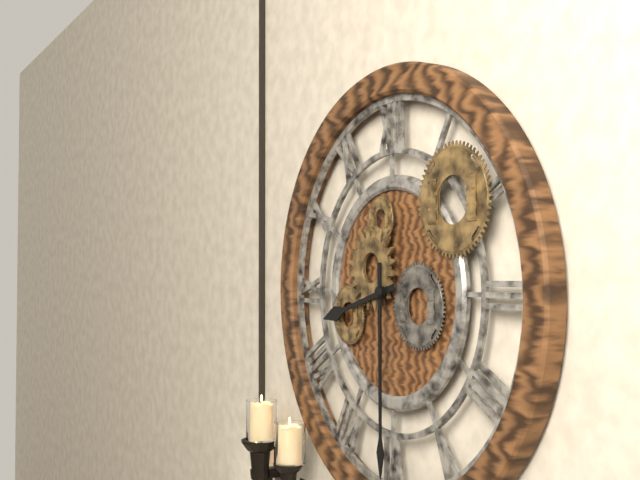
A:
8:30
